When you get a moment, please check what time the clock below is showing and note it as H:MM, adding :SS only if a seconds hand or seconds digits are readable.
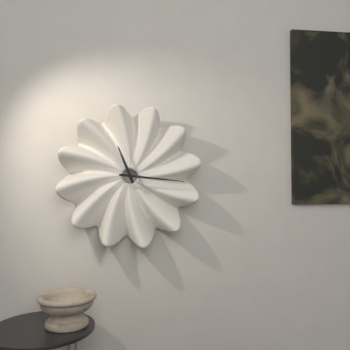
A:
11:16
